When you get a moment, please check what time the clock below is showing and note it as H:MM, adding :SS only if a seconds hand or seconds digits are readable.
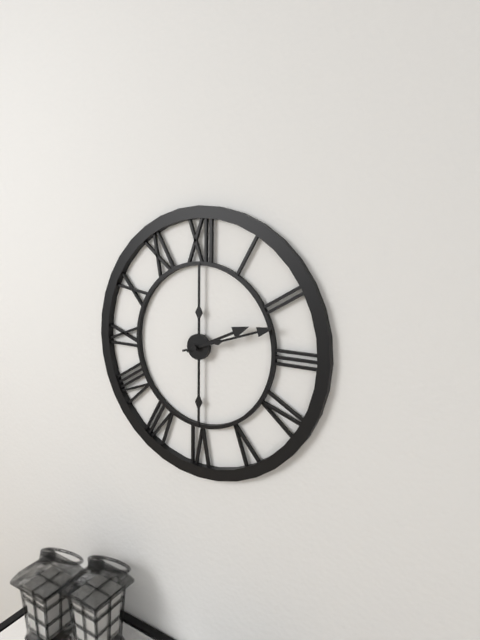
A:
2:12
